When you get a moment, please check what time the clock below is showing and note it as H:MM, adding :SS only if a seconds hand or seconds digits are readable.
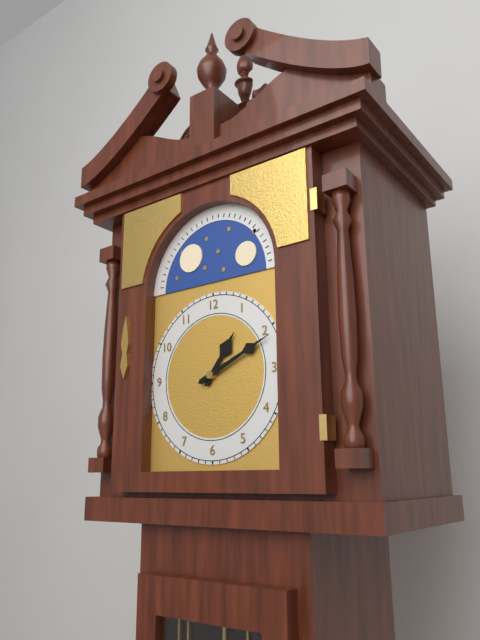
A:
1:11
